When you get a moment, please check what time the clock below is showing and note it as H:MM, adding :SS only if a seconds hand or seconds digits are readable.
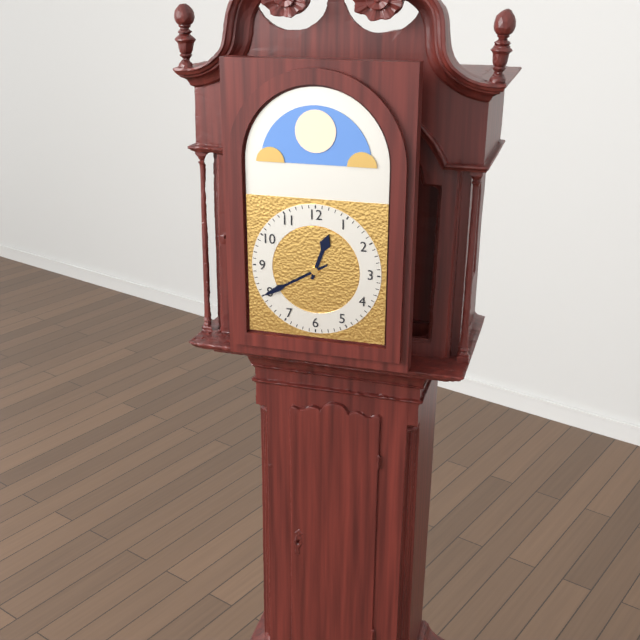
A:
12:40
